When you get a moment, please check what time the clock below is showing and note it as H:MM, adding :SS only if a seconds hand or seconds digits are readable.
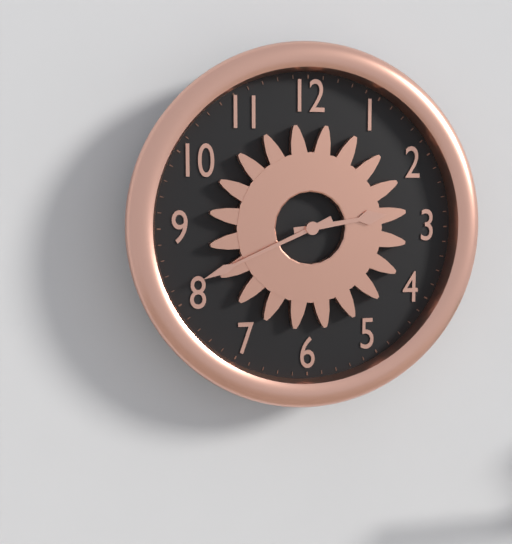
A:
2:41
